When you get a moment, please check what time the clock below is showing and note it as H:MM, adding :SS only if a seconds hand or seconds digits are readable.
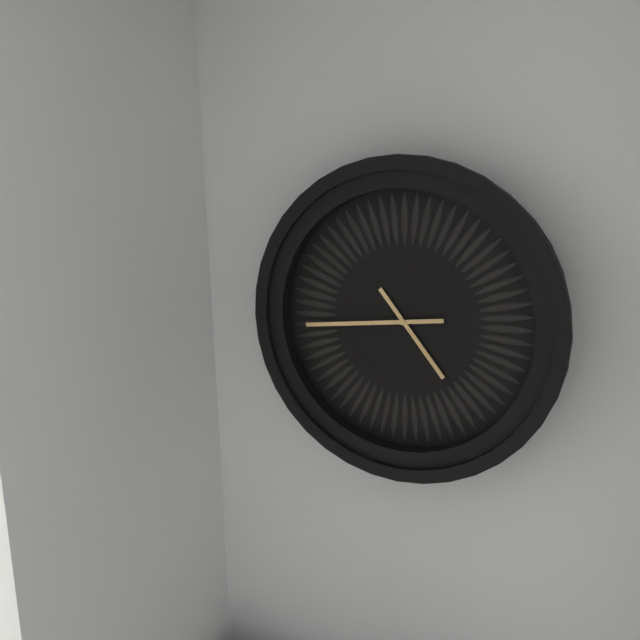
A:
4:44
